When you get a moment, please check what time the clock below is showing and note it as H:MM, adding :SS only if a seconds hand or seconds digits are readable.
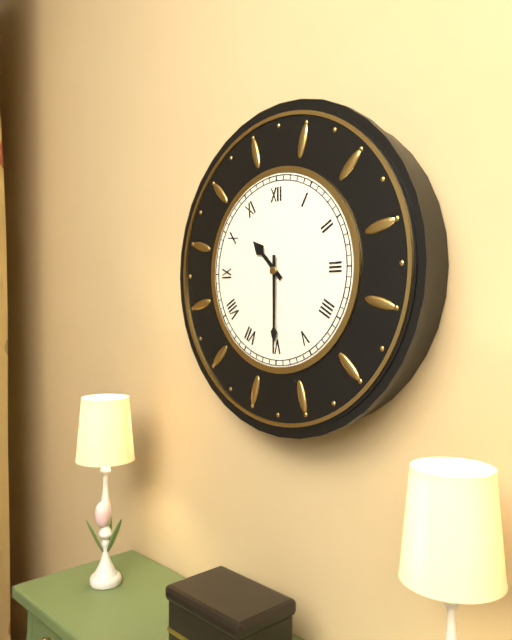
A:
10:30
